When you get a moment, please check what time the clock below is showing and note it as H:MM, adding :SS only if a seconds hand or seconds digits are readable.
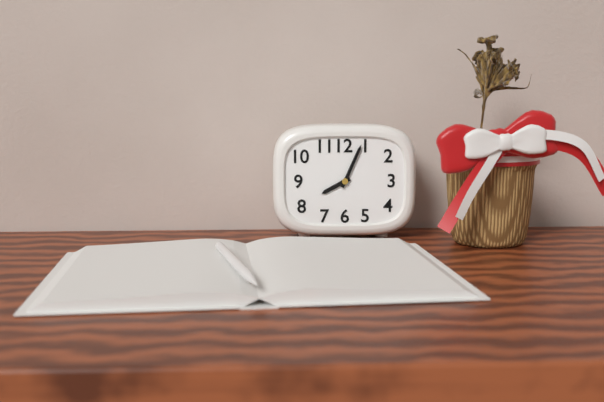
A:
8:04
